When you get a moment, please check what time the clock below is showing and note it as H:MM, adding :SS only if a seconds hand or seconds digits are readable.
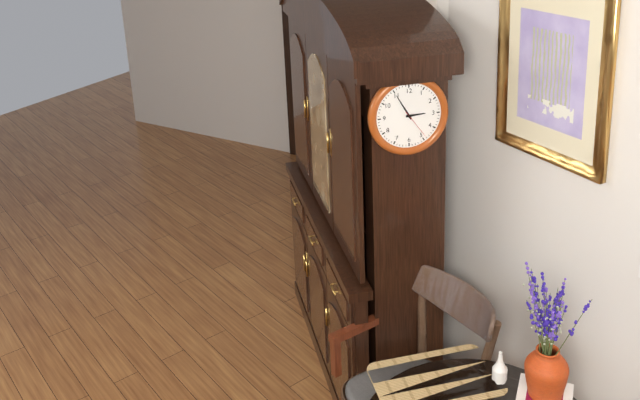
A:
2:55
